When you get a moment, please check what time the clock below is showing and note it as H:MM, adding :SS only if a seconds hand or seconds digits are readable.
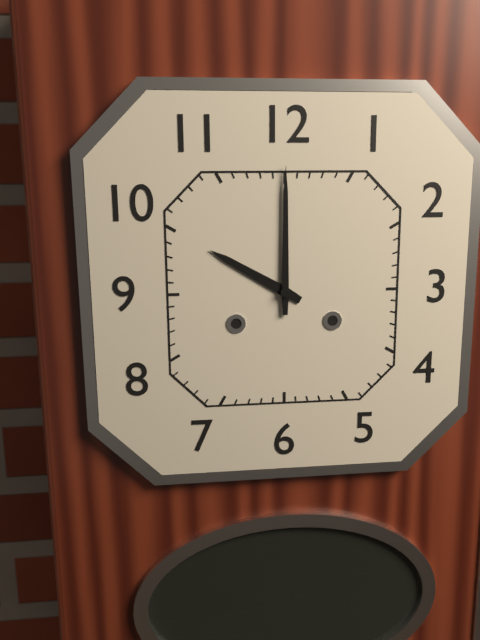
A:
10:00
